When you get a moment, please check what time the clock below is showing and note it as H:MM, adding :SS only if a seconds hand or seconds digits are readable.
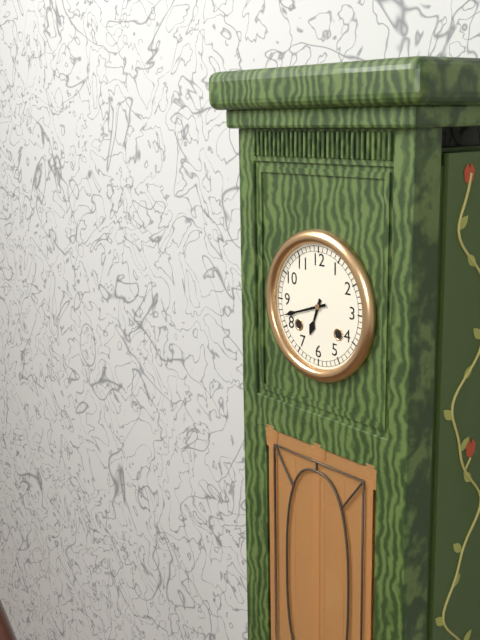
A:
6:42
